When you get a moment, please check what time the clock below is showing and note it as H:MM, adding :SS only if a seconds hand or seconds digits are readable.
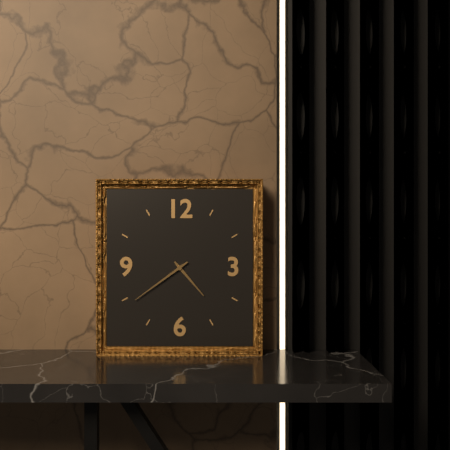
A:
4:39
